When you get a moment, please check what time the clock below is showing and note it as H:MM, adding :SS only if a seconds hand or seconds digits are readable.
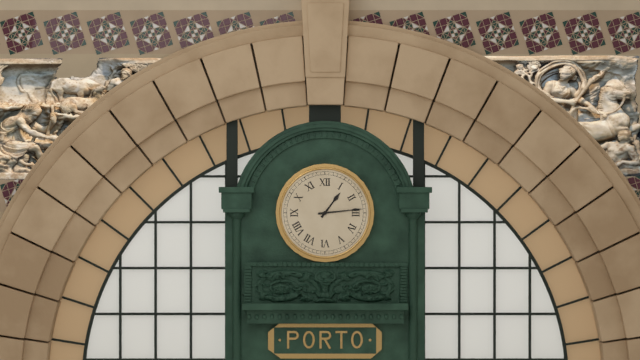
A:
1:14
